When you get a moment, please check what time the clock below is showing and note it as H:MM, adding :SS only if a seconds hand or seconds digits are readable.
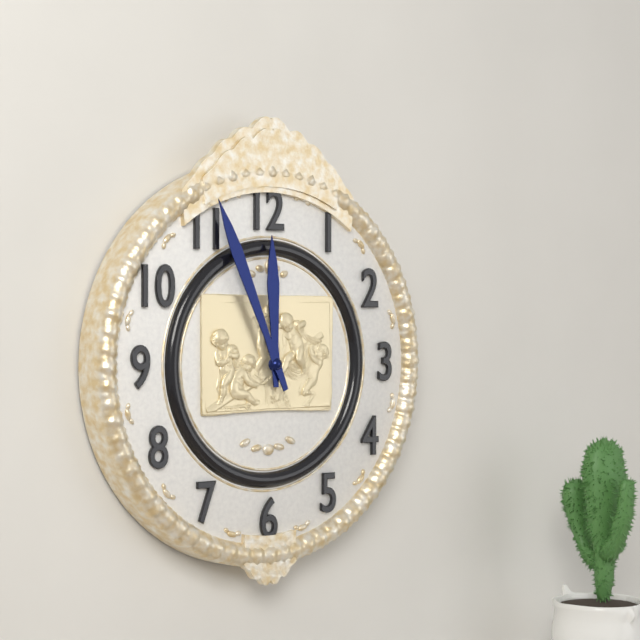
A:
11:56
